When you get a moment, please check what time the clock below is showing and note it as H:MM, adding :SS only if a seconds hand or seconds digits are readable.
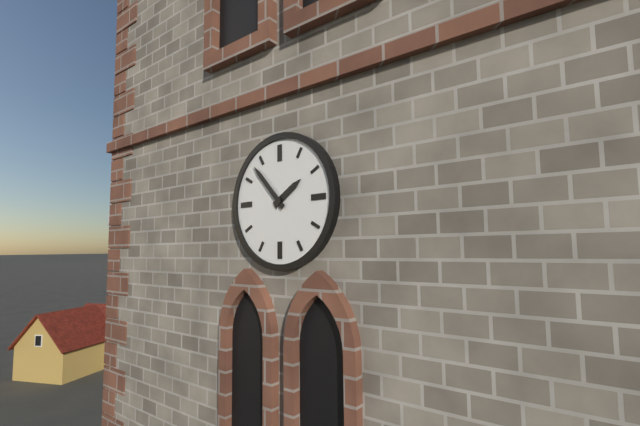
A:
1:53
